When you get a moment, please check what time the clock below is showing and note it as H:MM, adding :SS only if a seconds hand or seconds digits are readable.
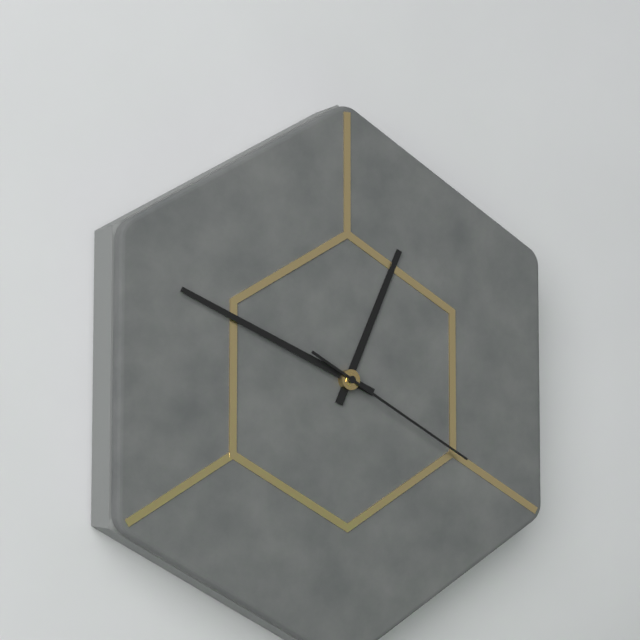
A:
12:49:20
